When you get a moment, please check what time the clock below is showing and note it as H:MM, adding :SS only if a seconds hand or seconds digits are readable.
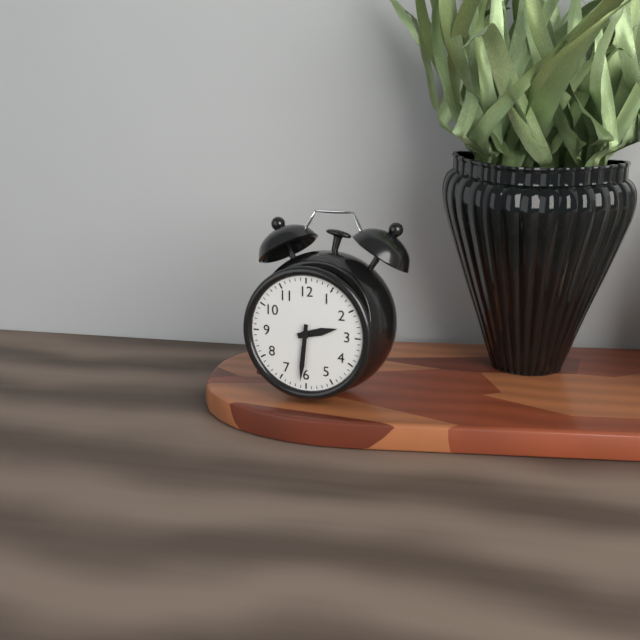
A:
2:31
